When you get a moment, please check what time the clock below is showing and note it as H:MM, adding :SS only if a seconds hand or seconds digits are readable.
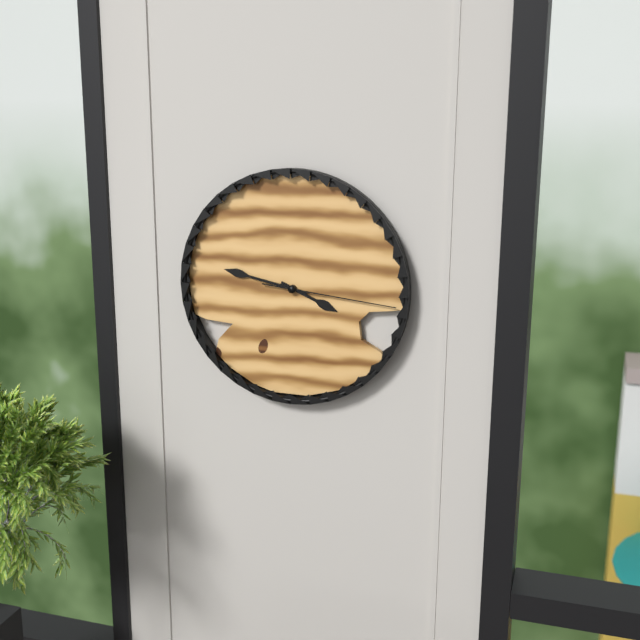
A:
3:47:16
